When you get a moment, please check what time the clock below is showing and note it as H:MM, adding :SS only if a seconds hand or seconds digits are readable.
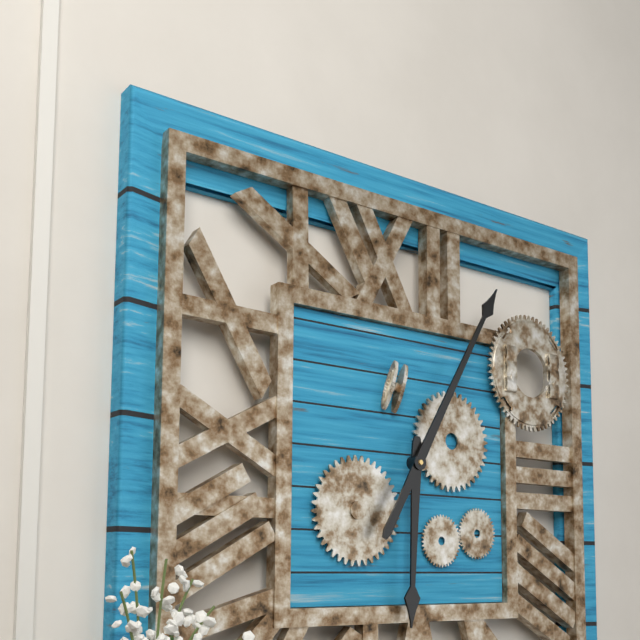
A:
6:05
